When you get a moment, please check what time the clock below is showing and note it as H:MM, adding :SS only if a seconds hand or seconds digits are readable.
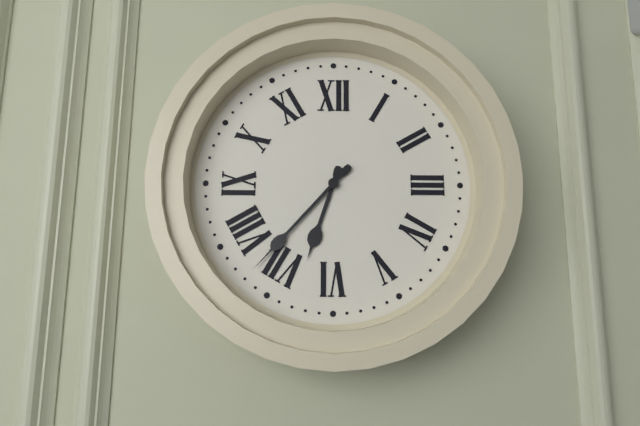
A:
6:37
